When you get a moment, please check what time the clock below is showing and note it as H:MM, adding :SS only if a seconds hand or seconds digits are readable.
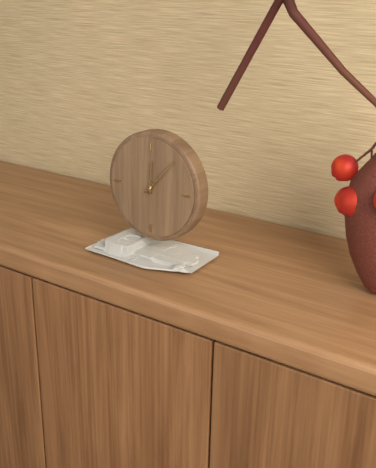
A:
12:07
